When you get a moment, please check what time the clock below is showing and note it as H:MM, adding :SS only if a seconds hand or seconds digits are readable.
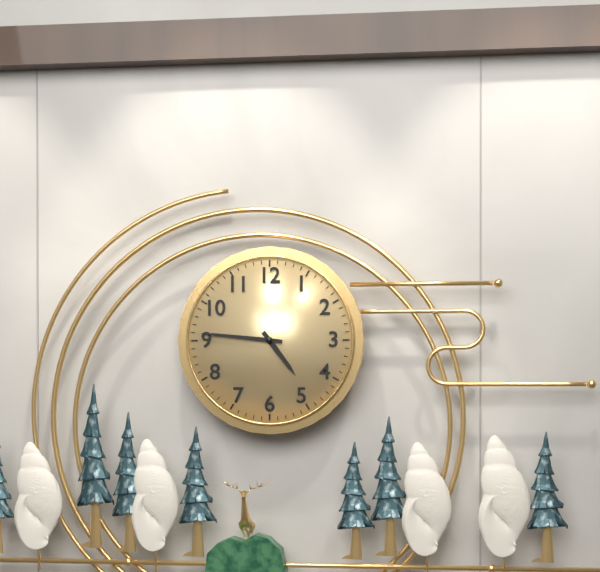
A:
4:46
